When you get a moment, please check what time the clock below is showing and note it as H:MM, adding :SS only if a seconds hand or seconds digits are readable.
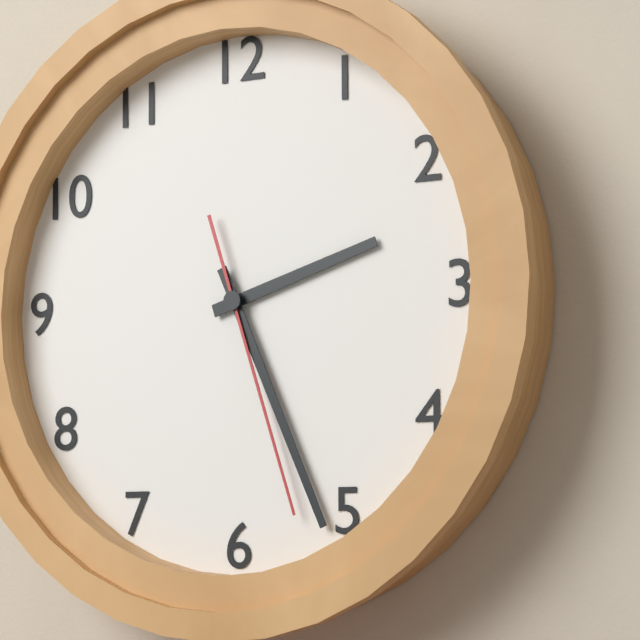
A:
2:26:27
